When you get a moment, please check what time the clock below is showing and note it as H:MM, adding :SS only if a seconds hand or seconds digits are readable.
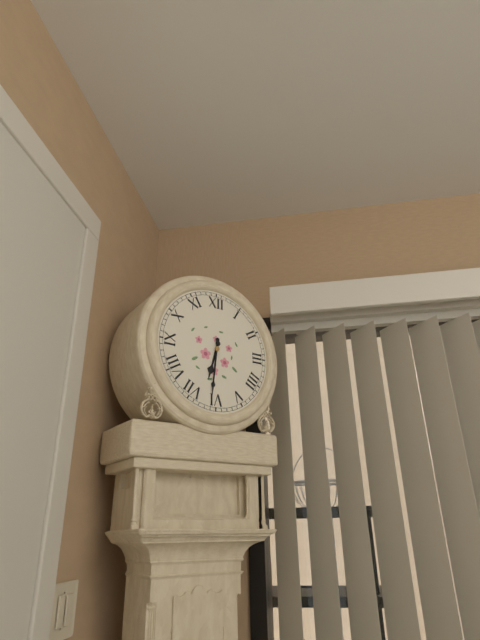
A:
6:31
